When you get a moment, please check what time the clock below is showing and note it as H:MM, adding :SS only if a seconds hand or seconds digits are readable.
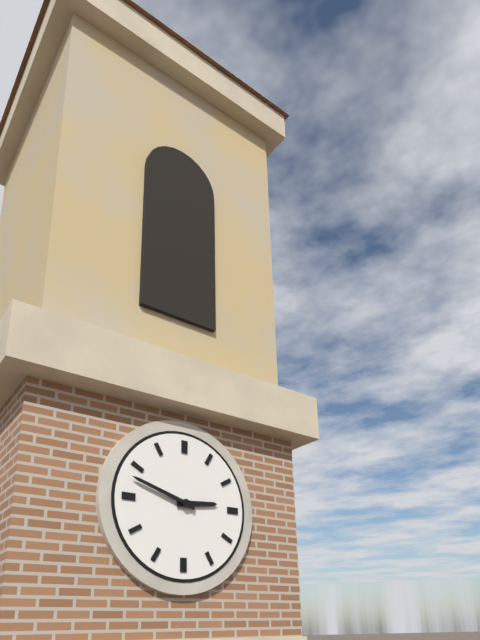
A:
2:48
